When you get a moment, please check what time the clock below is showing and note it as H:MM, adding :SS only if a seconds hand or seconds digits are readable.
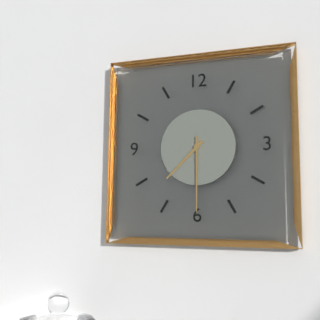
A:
7:30
